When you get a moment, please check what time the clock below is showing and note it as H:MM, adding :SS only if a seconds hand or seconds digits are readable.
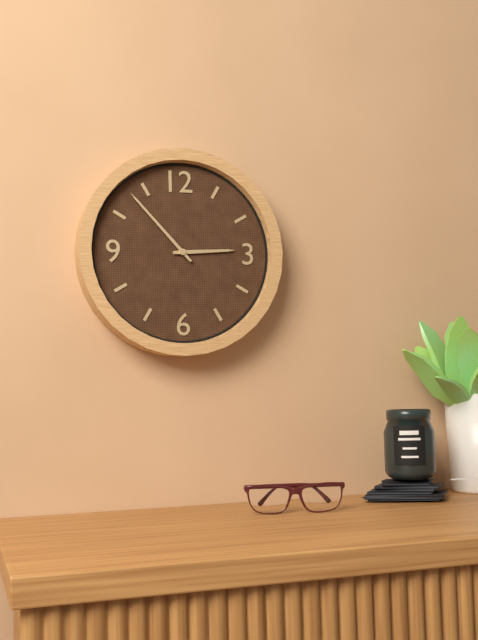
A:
2:53
